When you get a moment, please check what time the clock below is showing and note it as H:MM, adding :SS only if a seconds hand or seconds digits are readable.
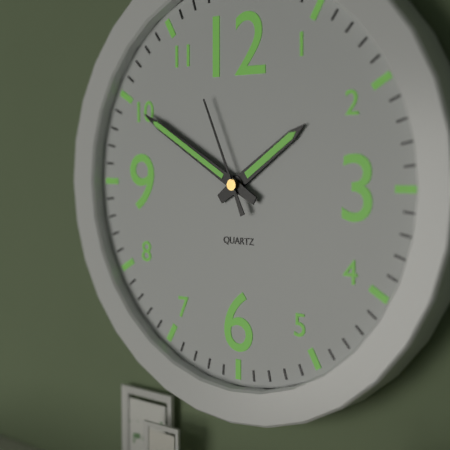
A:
1:50:56
